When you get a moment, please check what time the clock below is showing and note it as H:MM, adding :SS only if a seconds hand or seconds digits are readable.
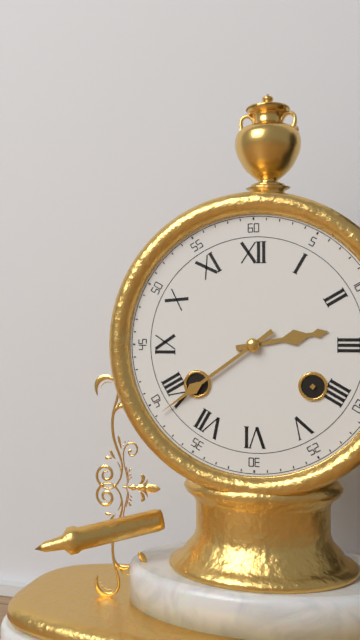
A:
2:39
